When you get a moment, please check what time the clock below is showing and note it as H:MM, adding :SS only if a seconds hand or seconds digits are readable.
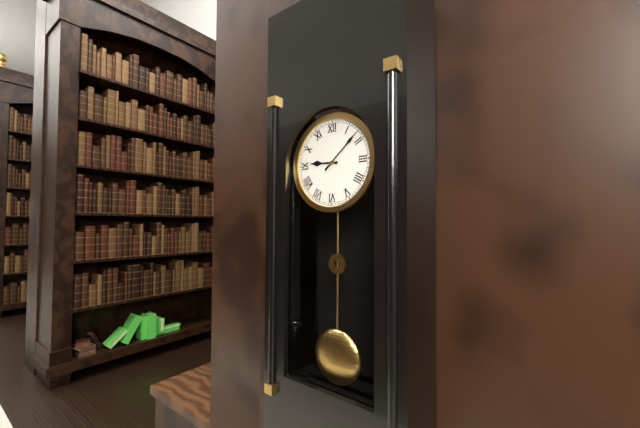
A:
9:08
